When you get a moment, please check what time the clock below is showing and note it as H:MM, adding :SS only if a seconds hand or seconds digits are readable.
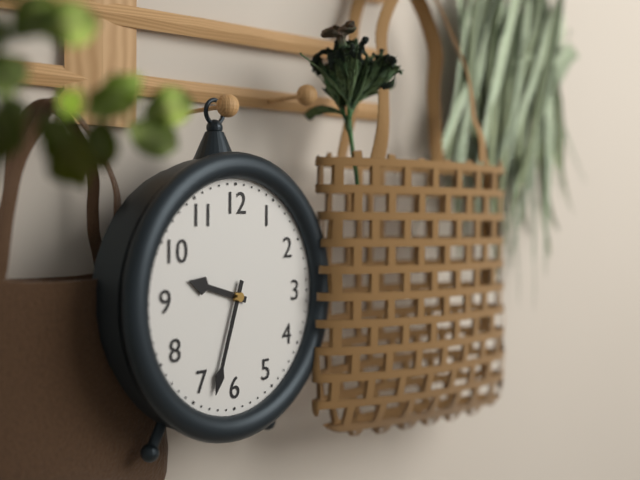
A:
9:33
